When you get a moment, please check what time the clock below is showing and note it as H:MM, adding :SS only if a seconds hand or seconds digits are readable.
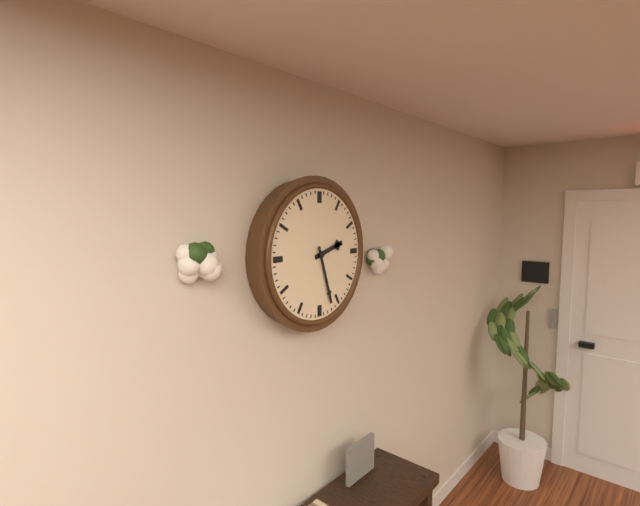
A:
2:27
